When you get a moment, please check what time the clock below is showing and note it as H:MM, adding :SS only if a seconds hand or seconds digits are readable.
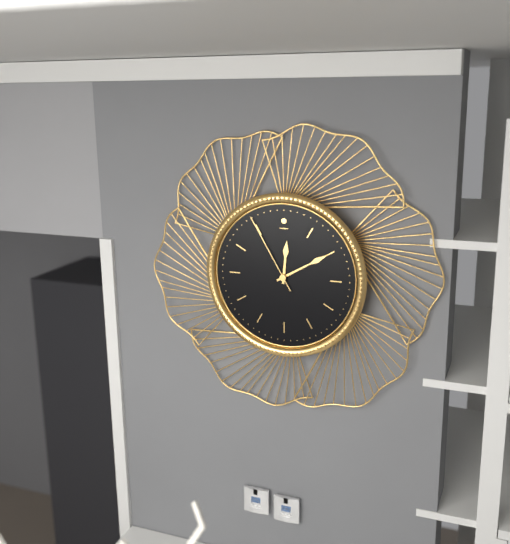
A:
12:10:55
